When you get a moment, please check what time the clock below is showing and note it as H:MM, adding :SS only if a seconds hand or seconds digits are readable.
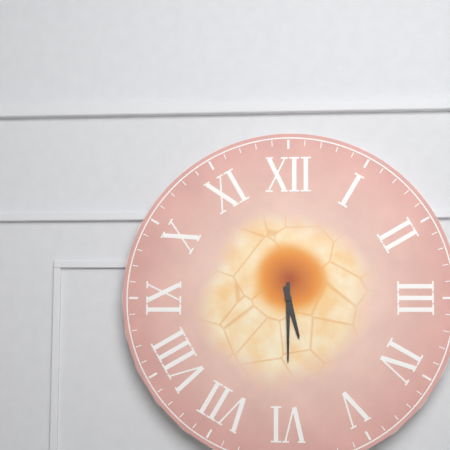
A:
5:30
